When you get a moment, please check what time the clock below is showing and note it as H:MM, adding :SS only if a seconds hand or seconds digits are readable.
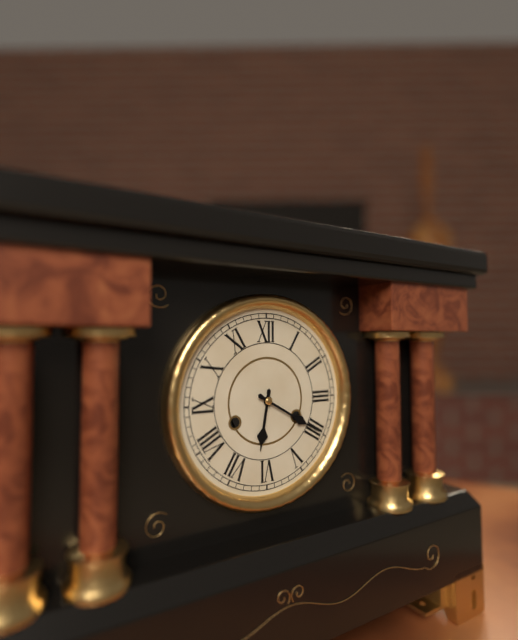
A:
6:20
